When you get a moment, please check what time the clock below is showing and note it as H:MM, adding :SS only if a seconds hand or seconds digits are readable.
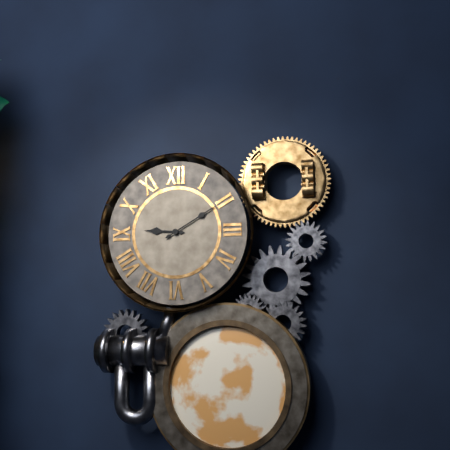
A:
9:10
